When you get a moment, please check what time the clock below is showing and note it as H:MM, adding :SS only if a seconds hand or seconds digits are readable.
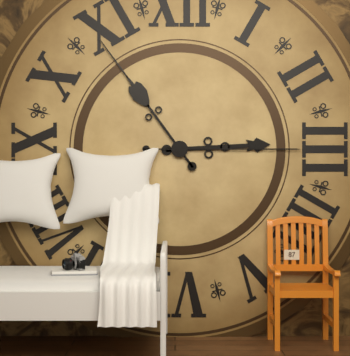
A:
2:54:15
